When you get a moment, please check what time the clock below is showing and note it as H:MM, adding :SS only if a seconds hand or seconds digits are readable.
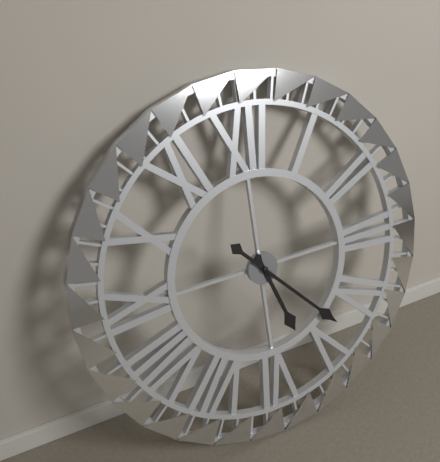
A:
5:23
